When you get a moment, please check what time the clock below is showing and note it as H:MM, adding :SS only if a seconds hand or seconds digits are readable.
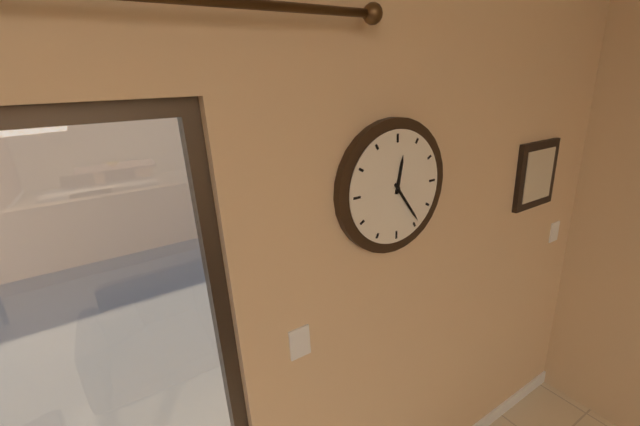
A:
12:24
